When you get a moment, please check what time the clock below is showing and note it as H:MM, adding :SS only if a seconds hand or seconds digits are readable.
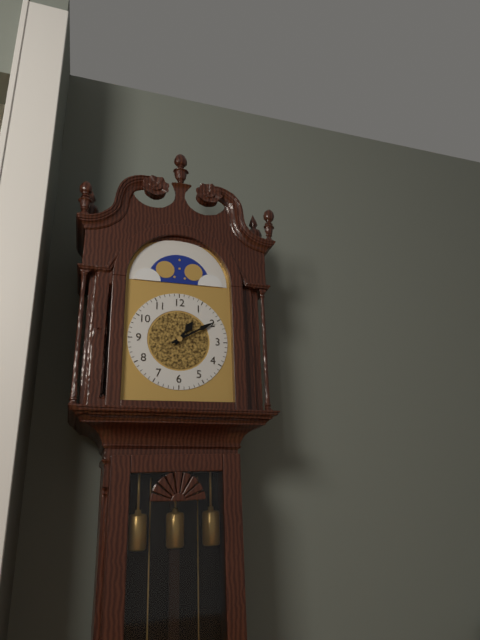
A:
1:10
